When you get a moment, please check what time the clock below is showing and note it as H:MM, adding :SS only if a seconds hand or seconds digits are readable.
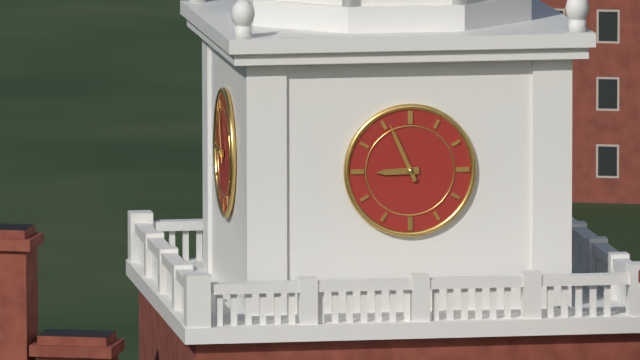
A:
8:56
